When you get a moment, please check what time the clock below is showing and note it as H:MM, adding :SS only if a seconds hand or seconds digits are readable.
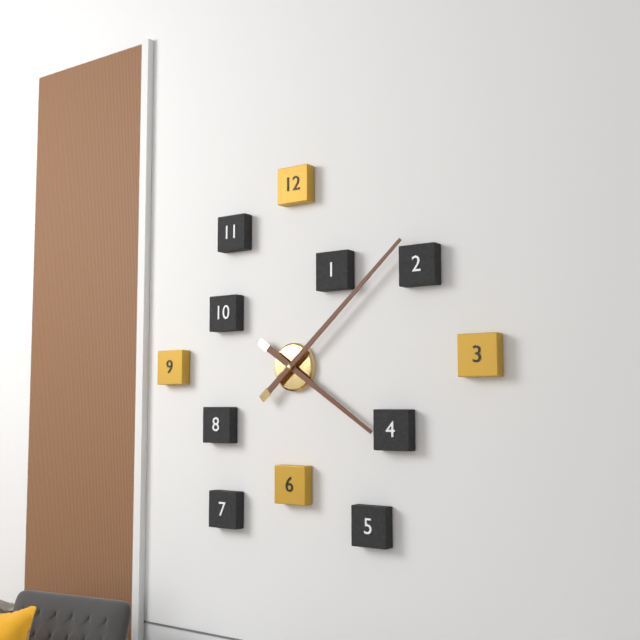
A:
4:08
